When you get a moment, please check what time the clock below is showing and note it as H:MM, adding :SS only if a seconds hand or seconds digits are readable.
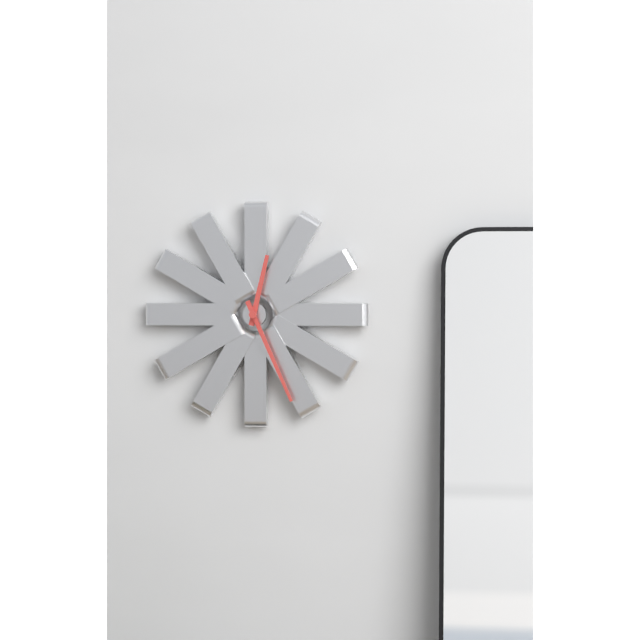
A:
12:26
